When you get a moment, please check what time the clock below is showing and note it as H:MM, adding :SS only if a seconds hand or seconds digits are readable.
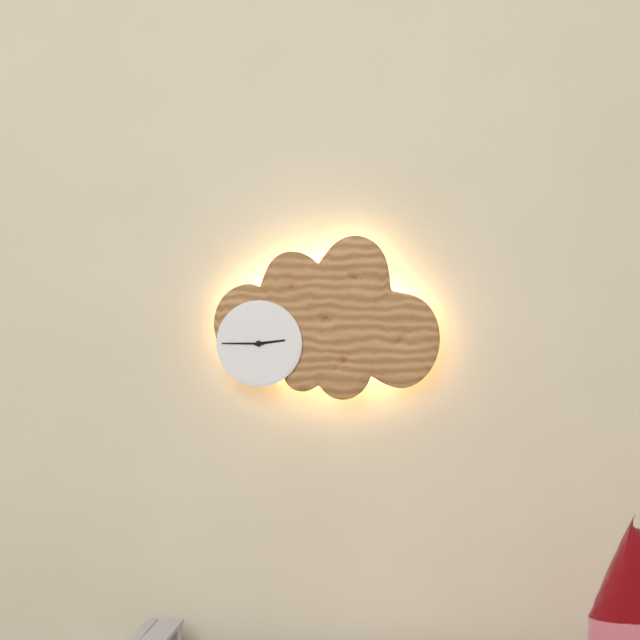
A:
2:45
